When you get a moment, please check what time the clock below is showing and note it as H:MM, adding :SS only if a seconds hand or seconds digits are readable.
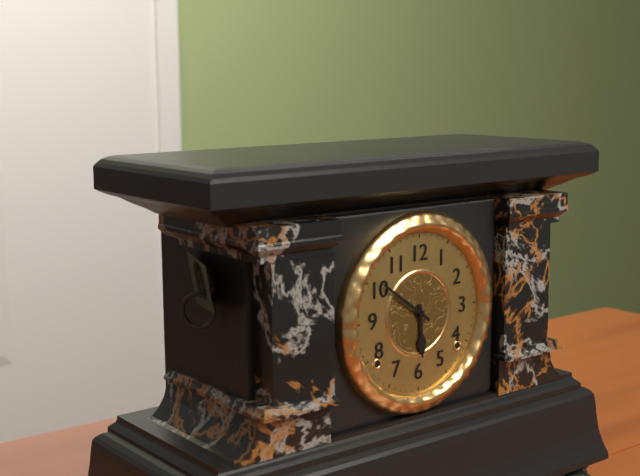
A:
5:51
